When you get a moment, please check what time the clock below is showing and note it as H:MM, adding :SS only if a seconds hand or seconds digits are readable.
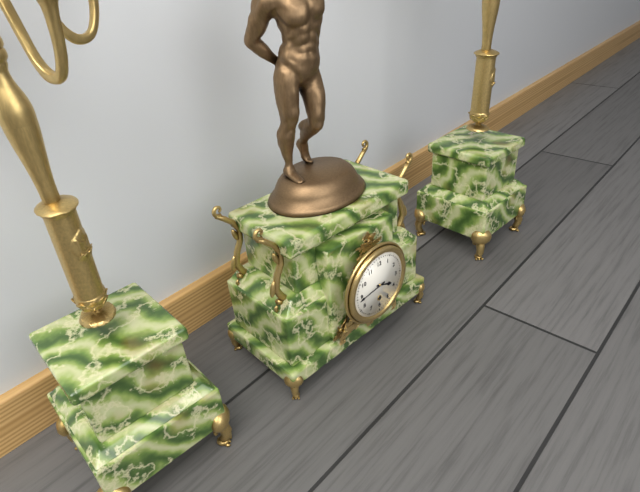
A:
3:44
